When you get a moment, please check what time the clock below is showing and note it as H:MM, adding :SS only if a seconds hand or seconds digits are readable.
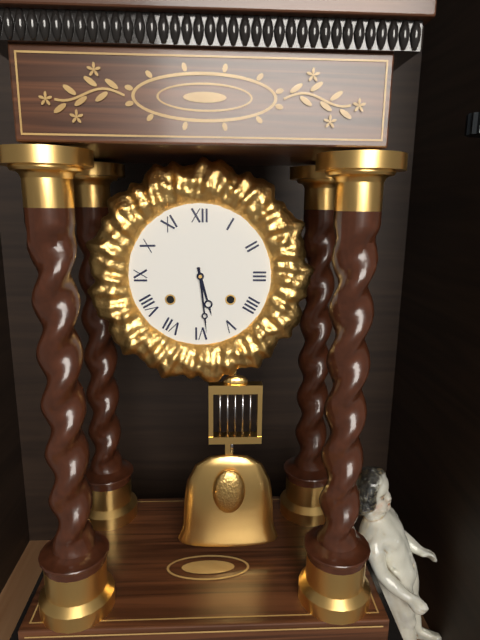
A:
5:29
